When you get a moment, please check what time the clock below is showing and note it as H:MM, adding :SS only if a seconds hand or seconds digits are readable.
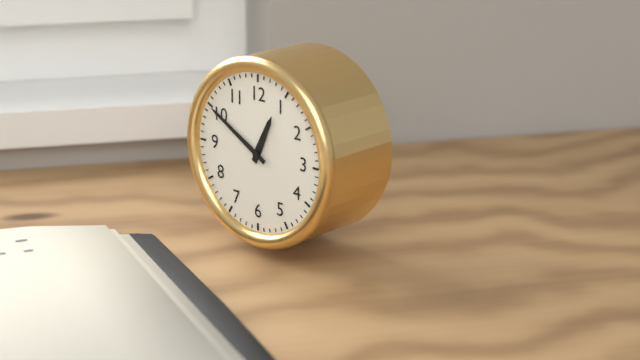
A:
12:50
